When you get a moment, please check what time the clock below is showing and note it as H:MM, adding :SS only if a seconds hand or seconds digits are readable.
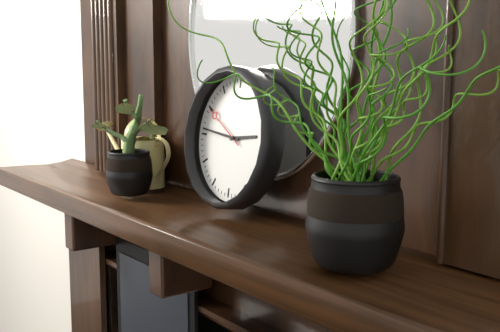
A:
2:46:50
